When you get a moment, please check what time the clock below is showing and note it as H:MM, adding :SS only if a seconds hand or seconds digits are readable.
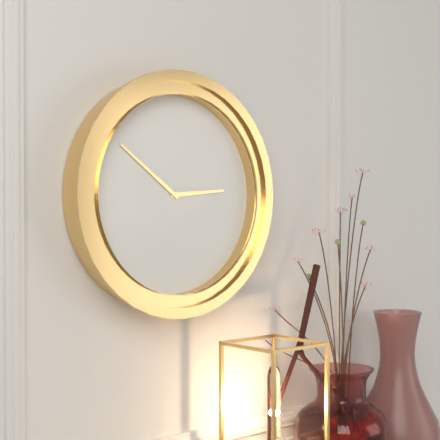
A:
2:51
